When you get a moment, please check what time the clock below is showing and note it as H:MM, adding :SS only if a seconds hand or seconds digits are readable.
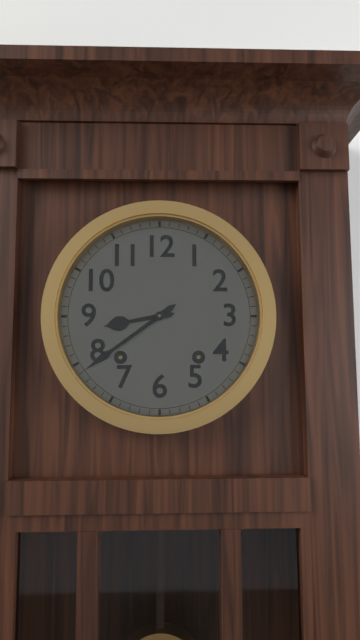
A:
8:39
